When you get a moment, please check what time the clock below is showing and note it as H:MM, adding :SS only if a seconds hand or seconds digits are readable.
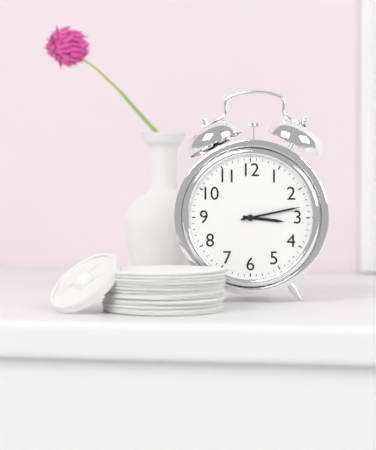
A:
3:13
